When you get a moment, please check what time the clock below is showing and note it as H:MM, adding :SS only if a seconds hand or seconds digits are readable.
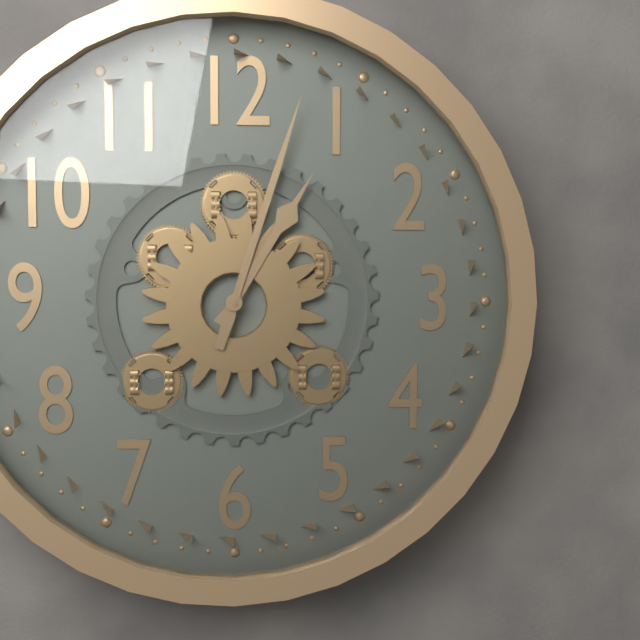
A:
1:03
